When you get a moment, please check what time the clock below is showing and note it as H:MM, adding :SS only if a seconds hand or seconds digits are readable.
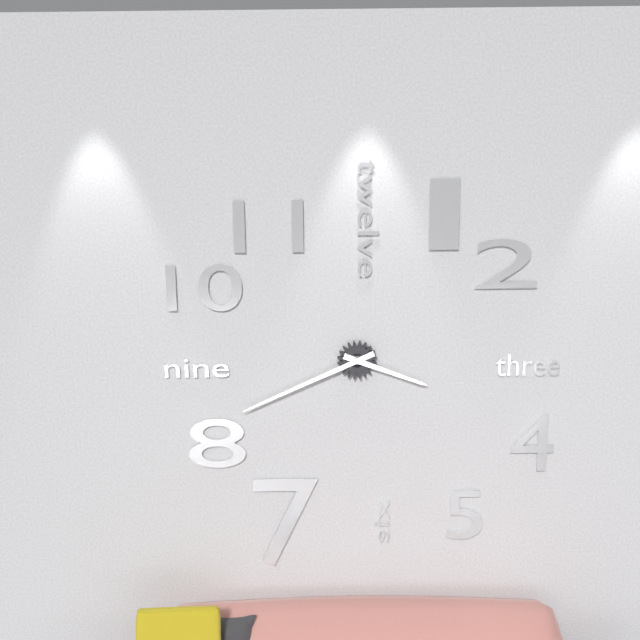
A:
3:41
